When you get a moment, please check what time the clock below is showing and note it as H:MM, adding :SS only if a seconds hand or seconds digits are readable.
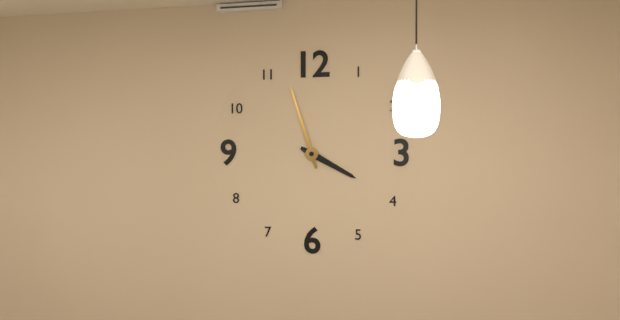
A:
3:57
